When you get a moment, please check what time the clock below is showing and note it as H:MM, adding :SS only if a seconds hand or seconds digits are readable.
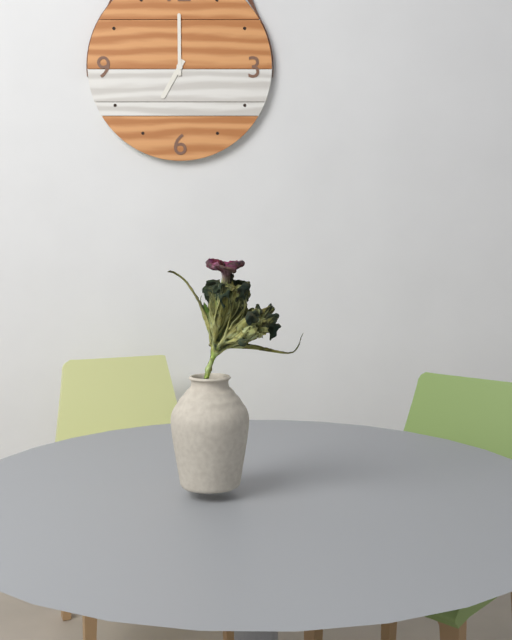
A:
7:00
